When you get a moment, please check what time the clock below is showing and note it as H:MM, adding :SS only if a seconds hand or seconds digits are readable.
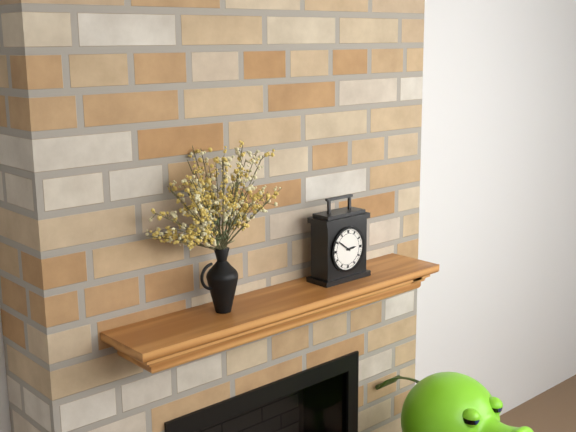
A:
2:51
